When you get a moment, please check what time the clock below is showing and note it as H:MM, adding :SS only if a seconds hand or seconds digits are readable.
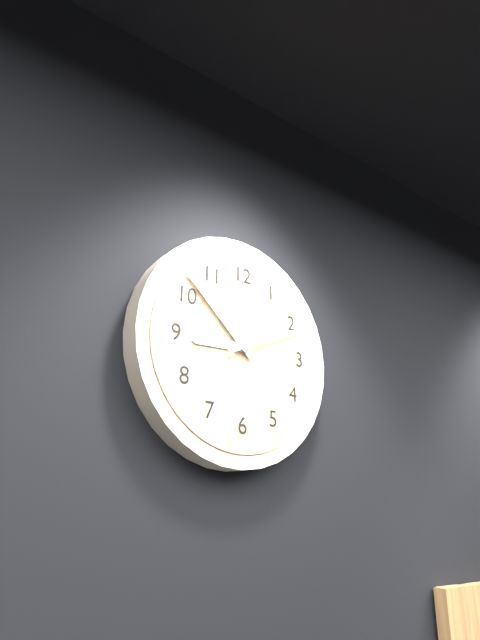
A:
8:52:11
